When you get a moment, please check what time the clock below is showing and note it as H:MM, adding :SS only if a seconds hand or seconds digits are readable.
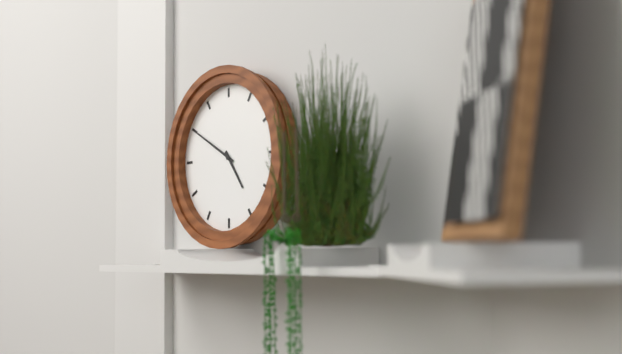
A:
4:50
